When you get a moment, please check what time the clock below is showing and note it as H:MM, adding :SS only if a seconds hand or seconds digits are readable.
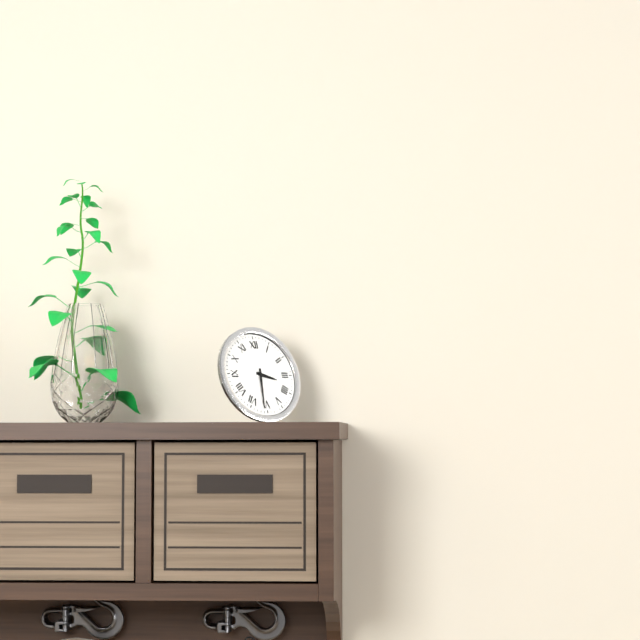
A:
3:31
